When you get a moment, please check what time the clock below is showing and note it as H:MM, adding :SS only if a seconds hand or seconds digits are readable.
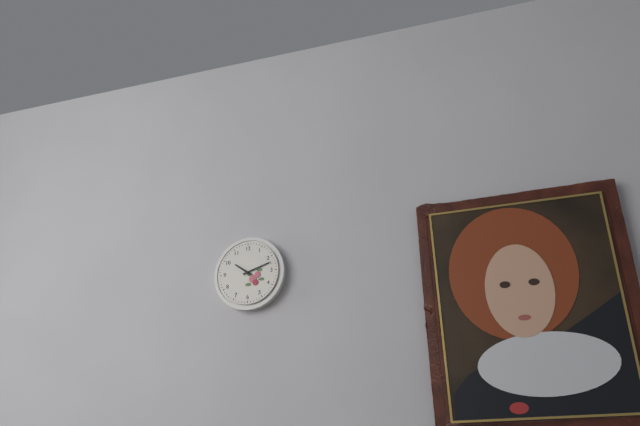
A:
10:12
